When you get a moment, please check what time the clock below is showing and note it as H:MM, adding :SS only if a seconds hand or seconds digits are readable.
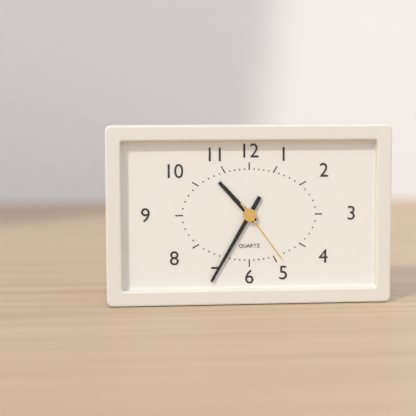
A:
10:35:24
